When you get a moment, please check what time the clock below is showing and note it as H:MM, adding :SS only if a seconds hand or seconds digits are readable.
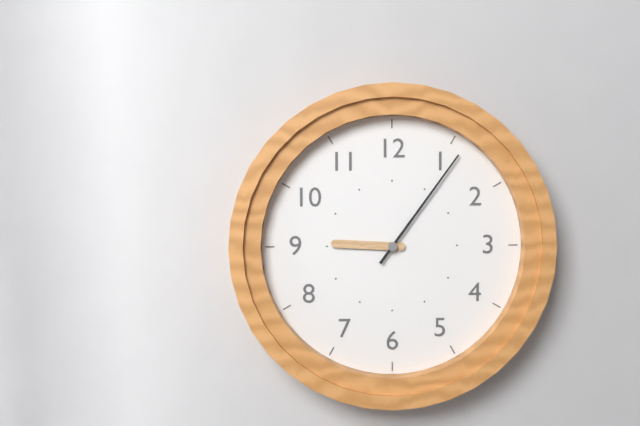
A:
9:06
